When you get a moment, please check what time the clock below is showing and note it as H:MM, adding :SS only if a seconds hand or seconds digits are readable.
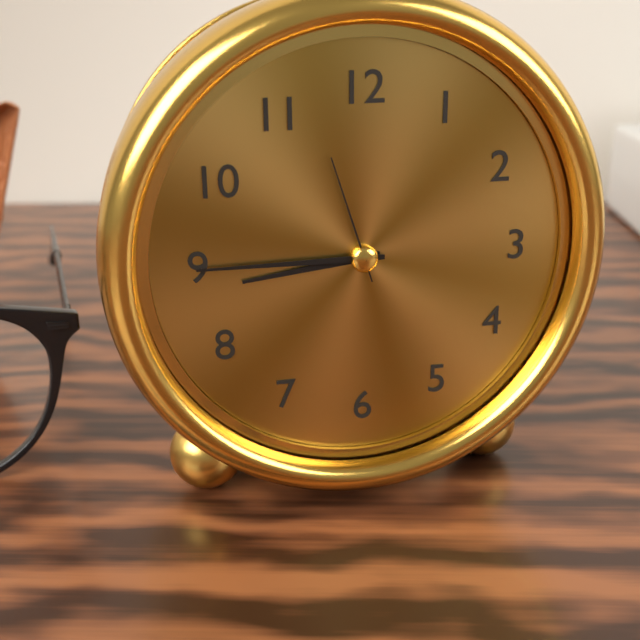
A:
8:45:57
